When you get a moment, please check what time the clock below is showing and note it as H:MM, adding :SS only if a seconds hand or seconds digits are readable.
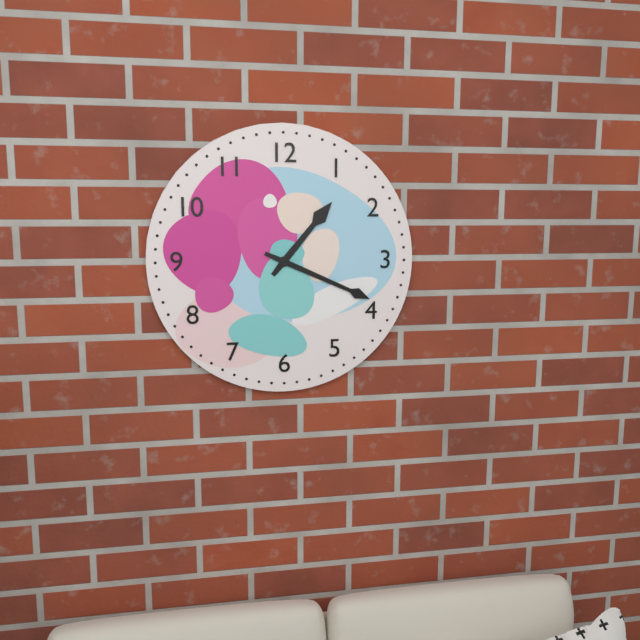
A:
1:19
